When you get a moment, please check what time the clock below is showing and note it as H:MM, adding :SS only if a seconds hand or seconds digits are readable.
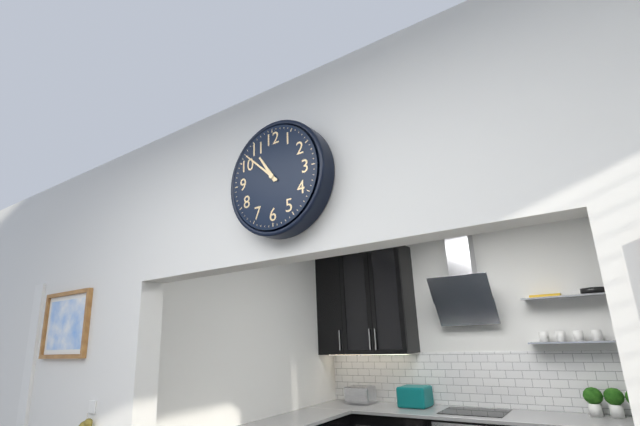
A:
10:52
